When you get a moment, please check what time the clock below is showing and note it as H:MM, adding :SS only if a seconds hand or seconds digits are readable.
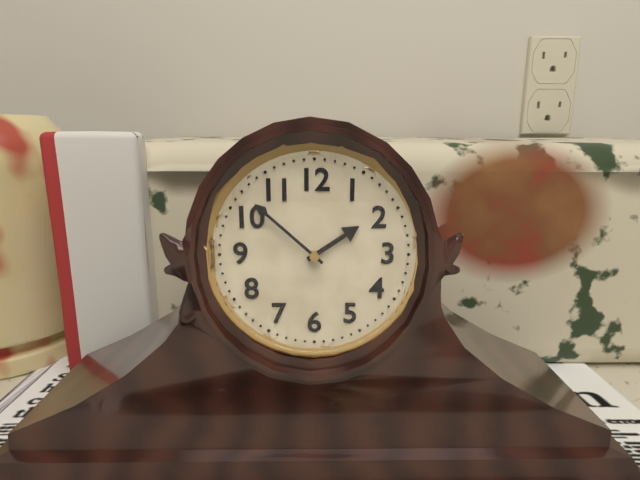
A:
1:52
